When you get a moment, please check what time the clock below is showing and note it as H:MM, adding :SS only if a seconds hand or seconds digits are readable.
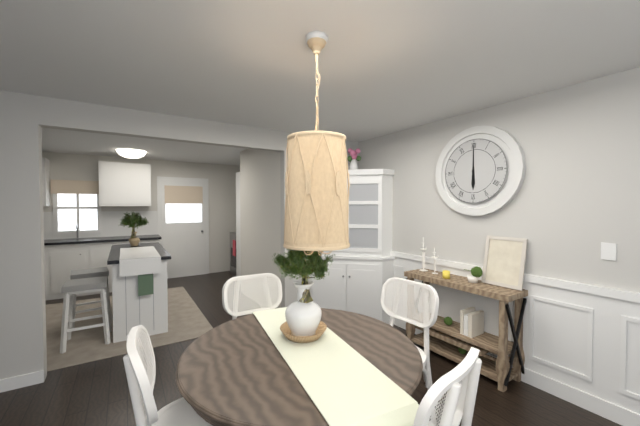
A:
6:00
